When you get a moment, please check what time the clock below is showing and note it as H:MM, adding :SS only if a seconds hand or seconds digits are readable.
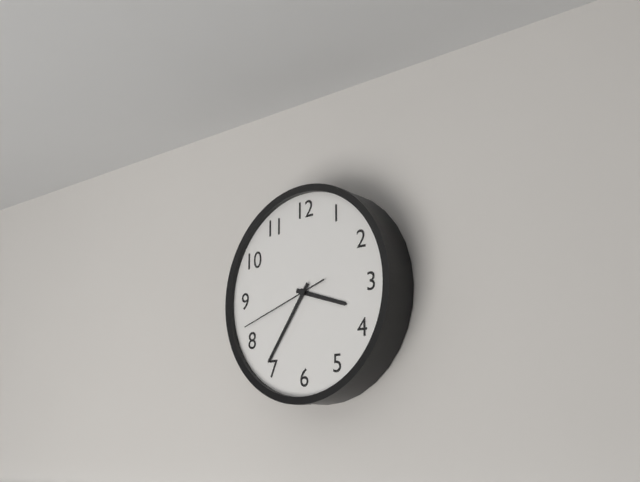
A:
3:36:42
